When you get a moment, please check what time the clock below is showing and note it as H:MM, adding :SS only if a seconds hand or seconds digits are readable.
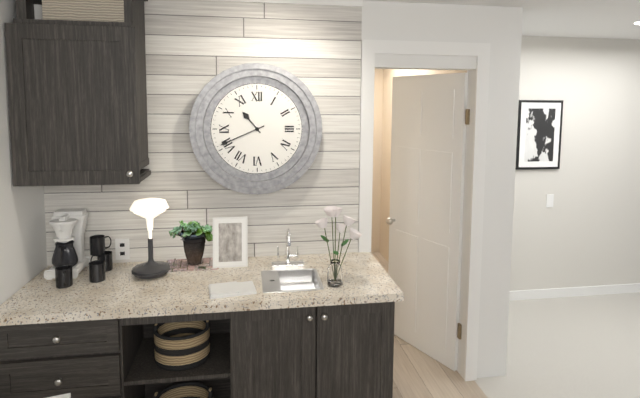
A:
10:41
